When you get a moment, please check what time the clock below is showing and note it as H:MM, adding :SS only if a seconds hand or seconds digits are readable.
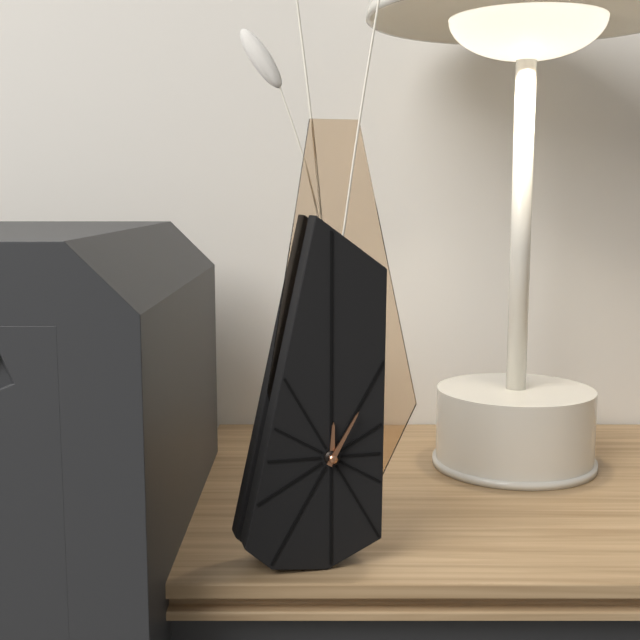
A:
12:05
